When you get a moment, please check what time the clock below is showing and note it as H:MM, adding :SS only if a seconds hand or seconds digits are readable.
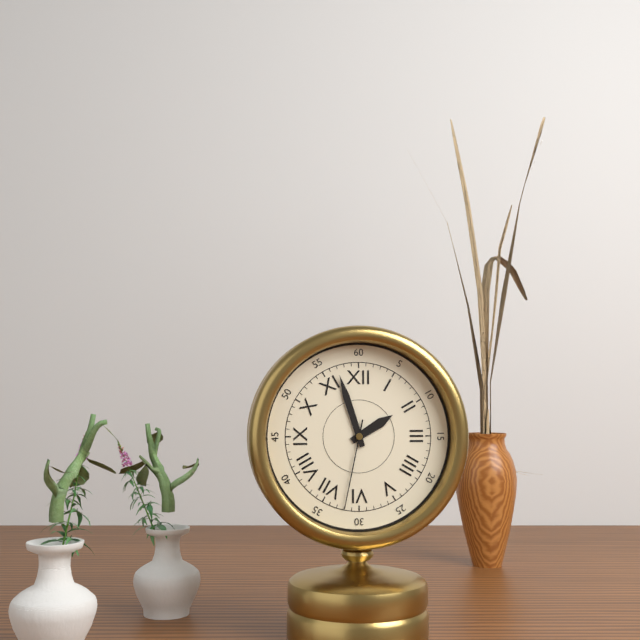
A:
1:57:32
